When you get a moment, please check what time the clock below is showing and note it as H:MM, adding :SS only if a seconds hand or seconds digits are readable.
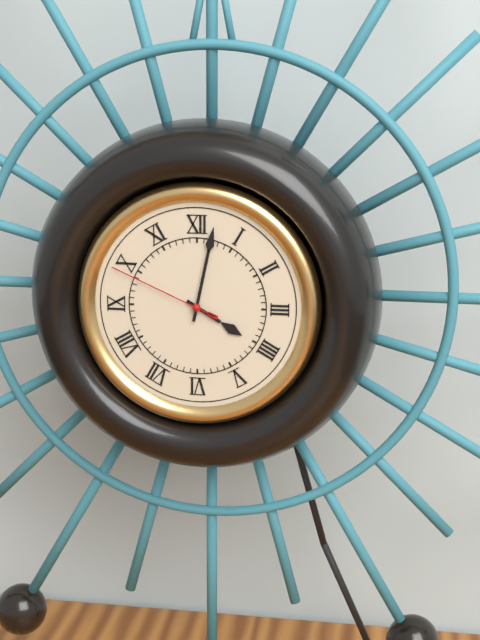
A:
4:02:49
